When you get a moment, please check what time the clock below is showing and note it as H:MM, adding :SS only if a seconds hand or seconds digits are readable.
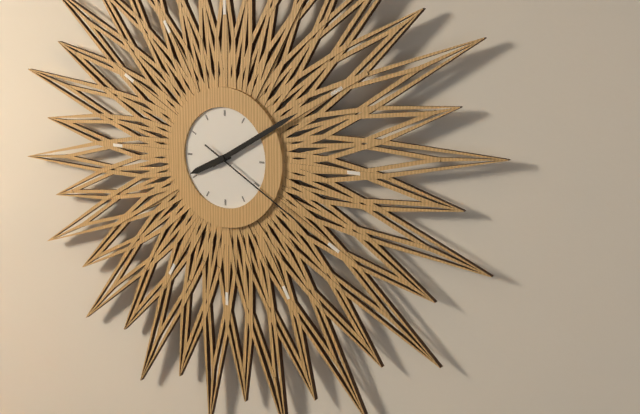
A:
8:10:20
